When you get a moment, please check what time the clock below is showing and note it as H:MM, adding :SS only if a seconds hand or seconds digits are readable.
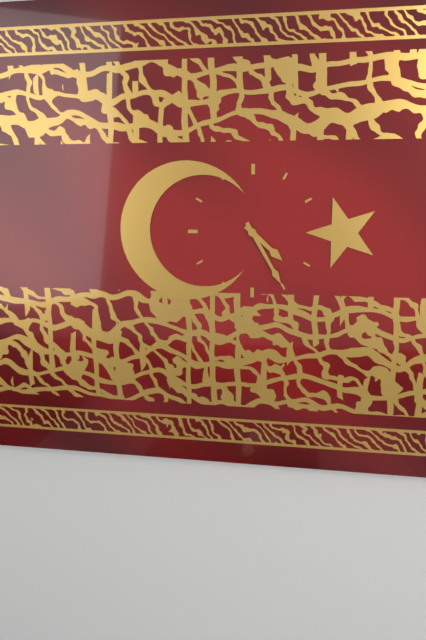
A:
4:25
